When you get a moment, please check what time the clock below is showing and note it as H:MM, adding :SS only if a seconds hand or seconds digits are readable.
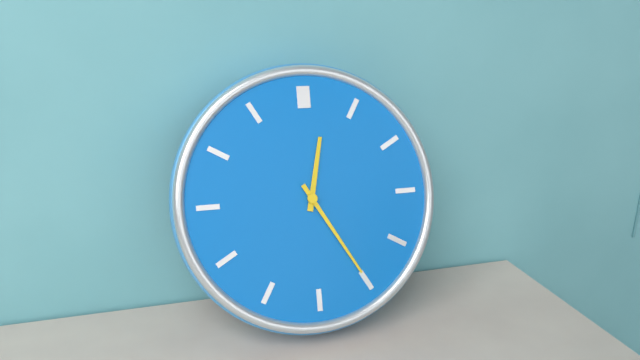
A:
12:25
